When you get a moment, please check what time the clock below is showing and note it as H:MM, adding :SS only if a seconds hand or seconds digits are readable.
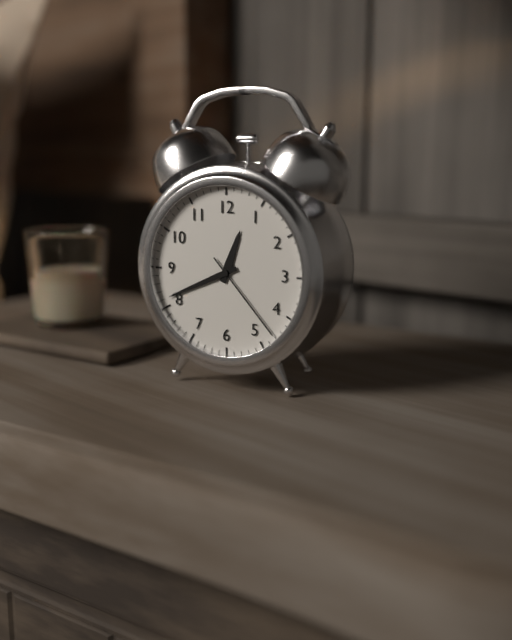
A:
12:41:23
